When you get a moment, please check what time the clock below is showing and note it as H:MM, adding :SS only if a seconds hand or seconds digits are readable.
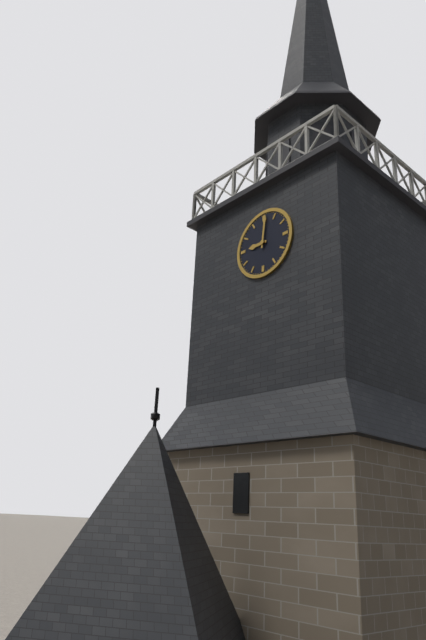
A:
9:01
